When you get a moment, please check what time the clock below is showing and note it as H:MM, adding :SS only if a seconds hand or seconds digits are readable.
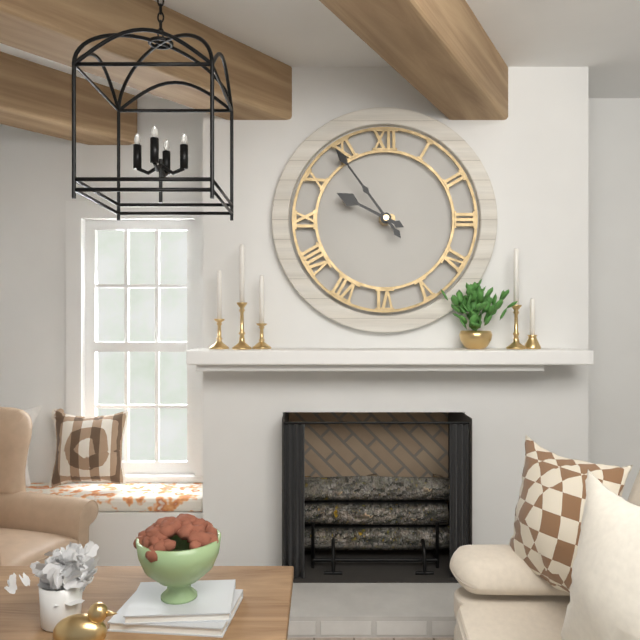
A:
9:54
